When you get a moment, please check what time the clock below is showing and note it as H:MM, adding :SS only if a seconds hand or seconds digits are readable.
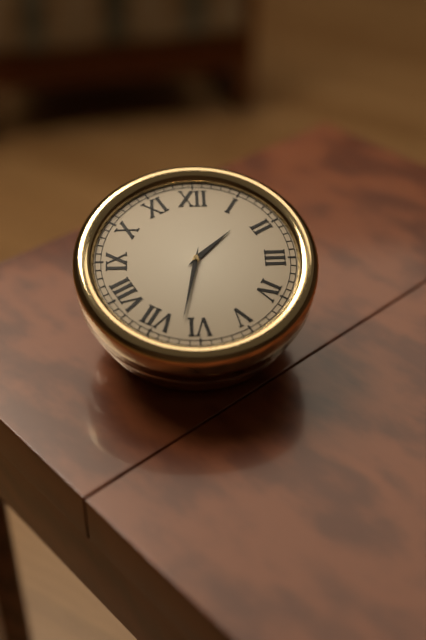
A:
1:32
